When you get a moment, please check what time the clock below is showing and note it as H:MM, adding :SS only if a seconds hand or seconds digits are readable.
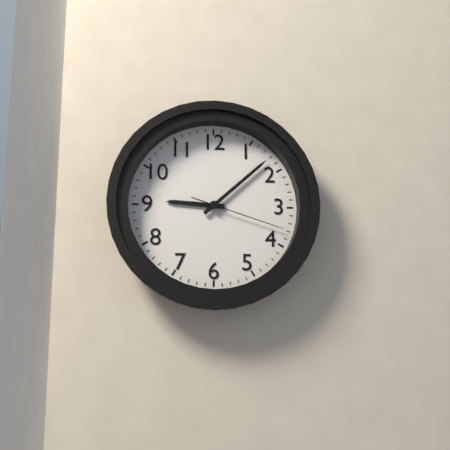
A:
9:08:18
